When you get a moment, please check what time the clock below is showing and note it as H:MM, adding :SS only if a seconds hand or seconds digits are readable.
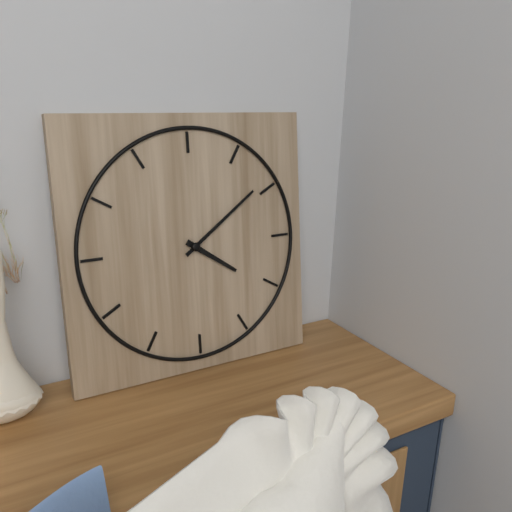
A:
4:09
